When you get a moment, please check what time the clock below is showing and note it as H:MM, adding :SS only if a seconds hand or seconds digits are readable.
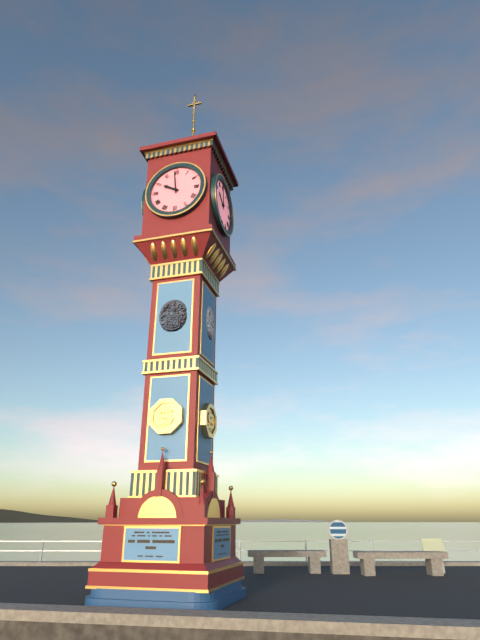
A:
9:59
